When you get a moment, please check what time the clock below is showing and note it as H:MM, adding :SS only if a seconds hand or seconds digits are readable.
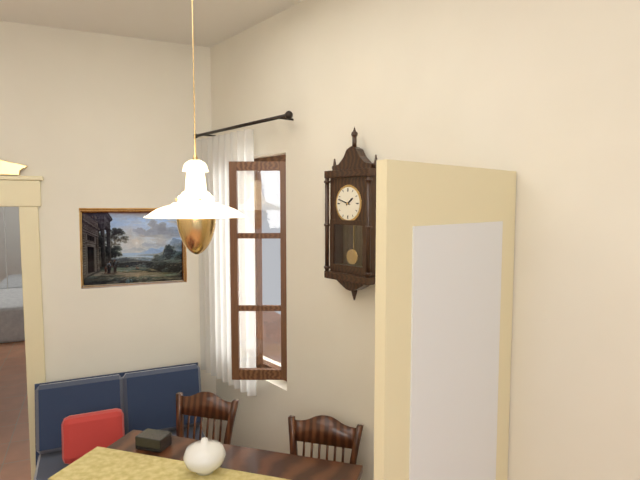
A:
1:48
